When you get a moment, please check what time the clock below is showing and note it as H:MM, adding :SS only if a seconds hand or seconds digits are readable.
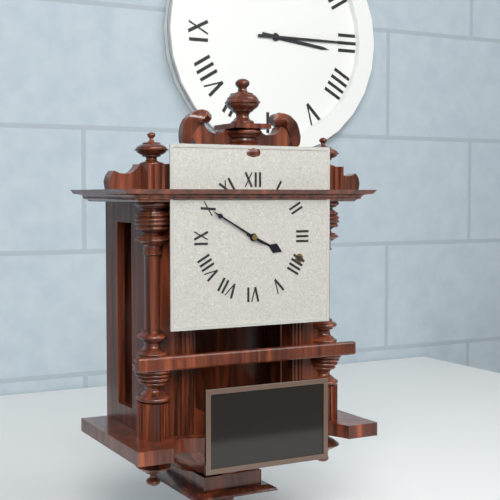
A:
3:50
